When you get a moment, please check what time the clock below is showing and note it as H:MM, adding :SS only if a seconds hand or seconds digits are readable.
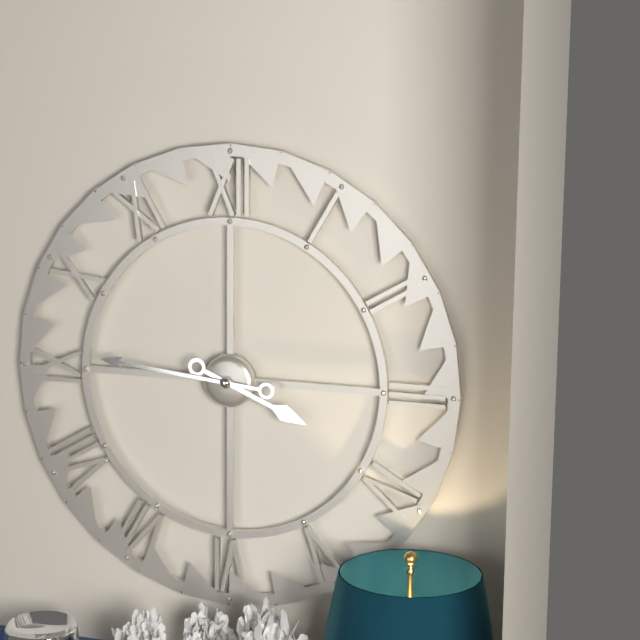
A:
3:46
